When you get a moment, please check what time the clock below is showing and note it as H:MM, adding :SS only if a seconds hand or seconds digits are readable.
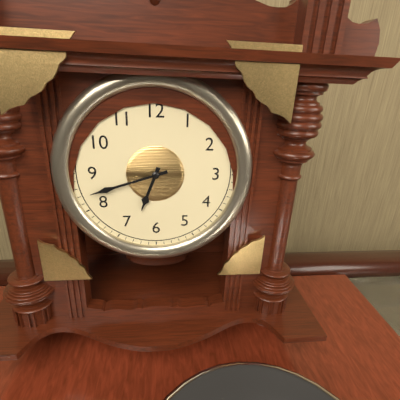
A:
6:42
